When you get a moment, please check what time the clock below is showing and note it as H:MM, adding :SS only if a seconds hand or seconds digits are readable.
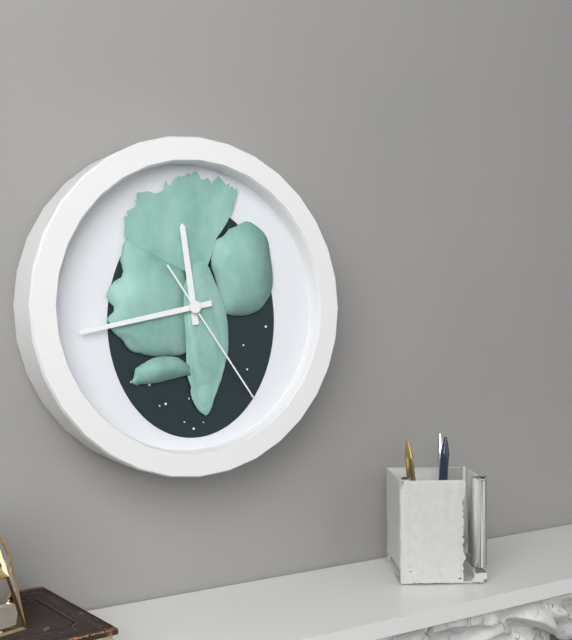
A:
11:43:24
